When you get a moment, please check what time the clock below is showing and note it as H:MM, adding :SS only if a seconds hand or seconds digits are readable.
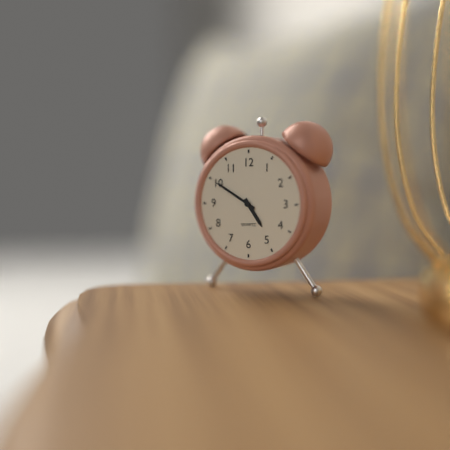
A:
4:50
